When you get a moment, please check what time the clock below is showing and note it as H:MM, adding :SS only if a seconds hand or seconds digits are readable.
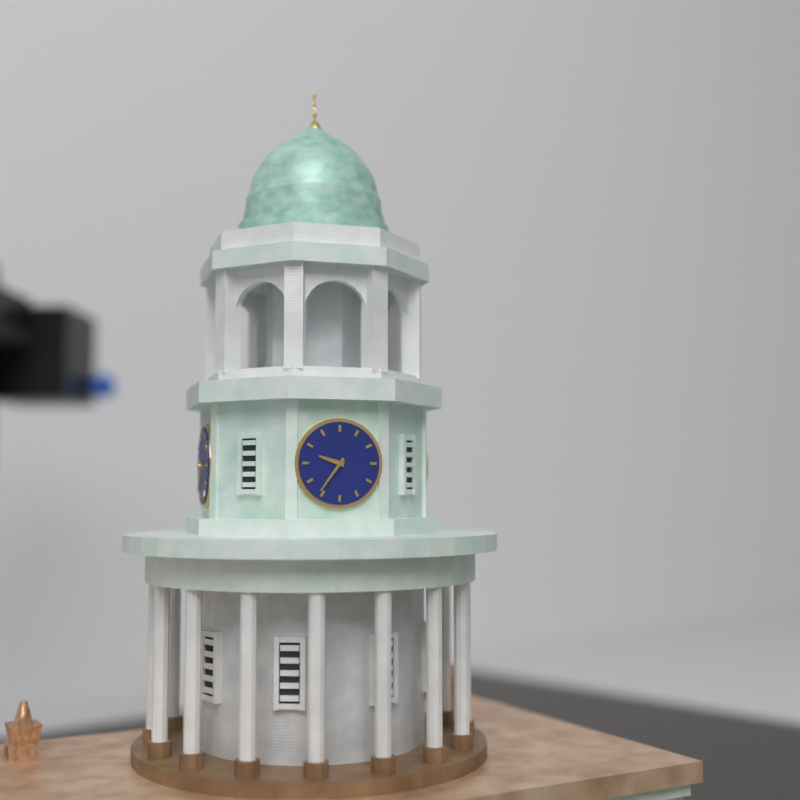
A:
9:36
